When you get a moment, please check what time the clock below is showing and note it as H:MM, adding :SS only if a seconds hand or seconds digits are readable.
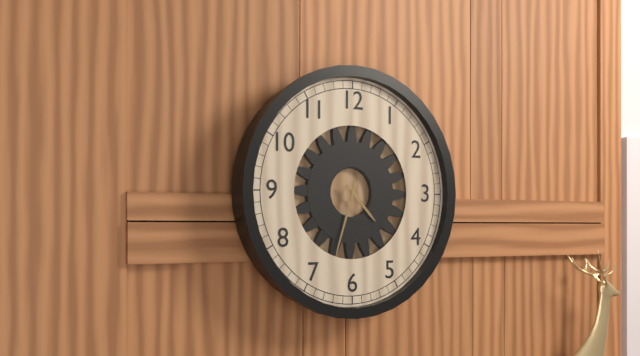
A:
4:33
